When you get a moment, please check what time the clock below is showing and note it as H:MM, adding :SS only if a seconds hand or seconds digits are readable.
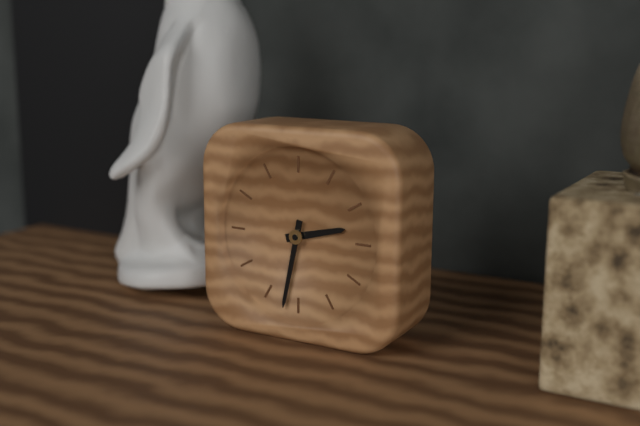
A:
2:32
